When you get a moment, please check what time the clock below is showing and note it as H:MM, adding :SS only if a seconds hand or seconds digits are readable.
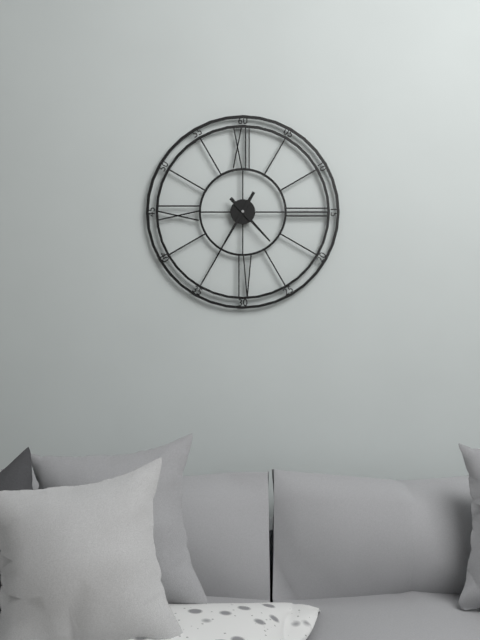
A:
4:35
